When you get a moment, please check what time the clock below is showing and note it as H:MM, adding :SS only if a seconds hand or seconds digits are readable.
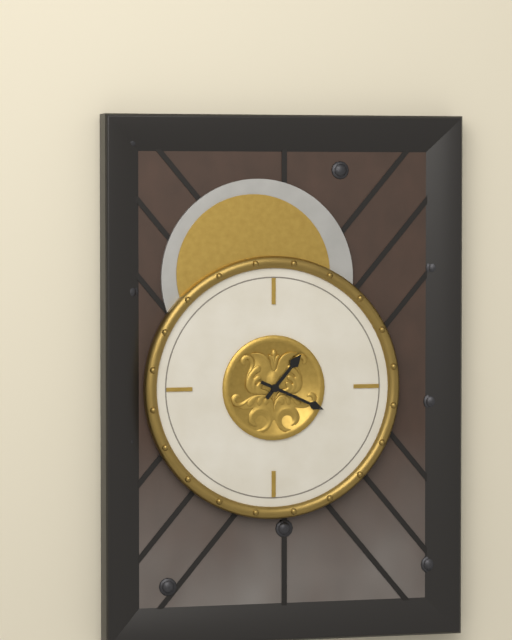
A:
1:19
